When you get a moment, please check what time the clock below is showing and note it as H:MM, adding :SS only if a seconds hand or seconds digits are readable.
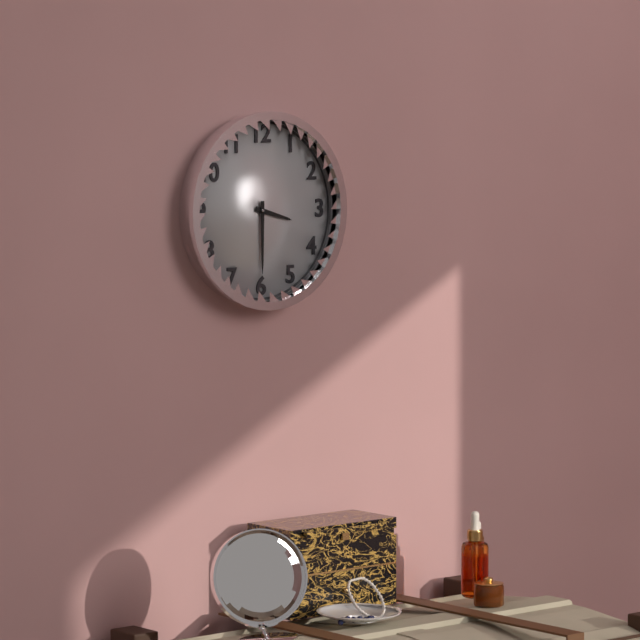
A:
3:30
